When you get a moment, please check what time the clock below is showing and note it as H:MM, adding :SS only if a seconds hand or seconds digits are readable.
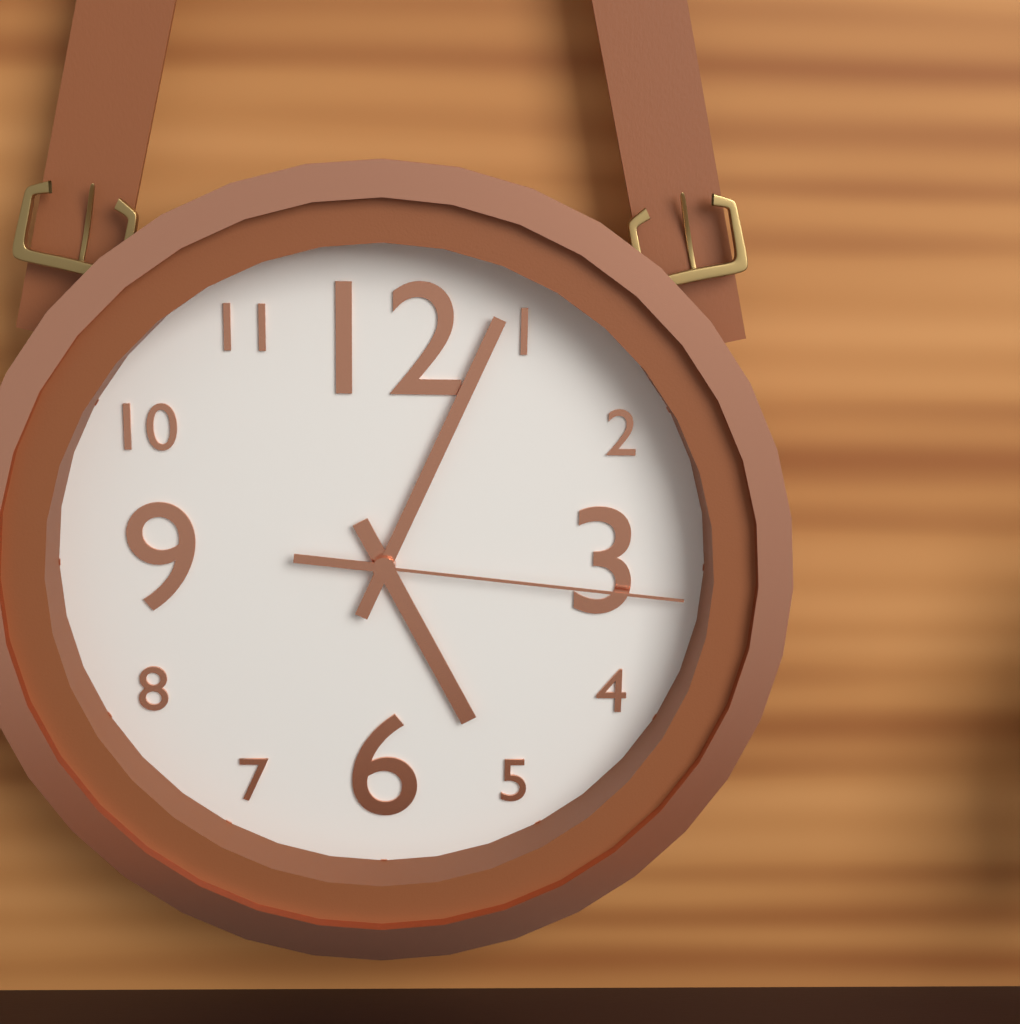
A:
5:04:16
